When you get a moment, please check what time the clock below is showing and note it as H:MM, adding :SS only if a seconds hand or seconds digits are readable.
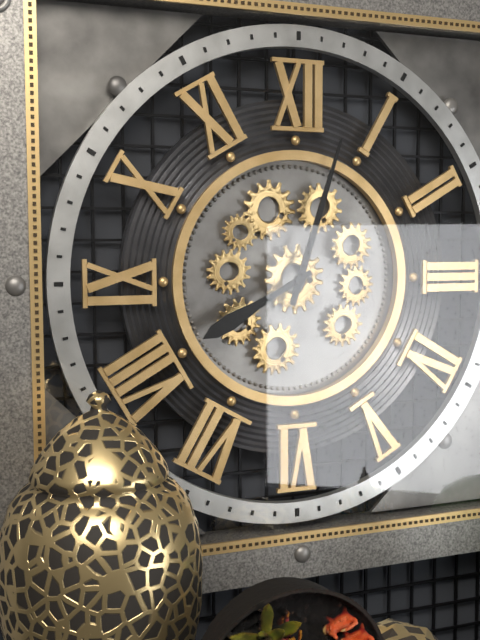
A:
8:03
